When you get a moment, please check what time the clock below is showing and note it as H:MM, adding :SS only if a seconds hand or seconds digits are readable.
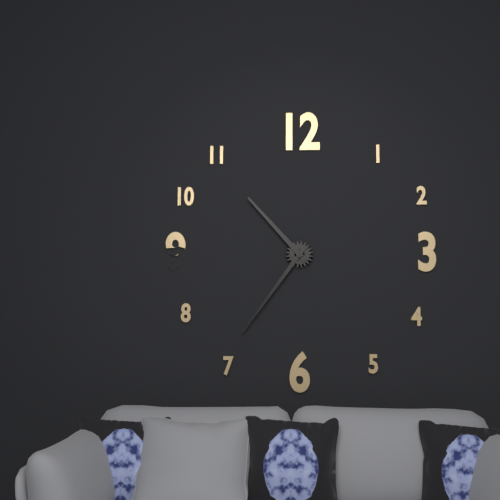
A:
10:36
